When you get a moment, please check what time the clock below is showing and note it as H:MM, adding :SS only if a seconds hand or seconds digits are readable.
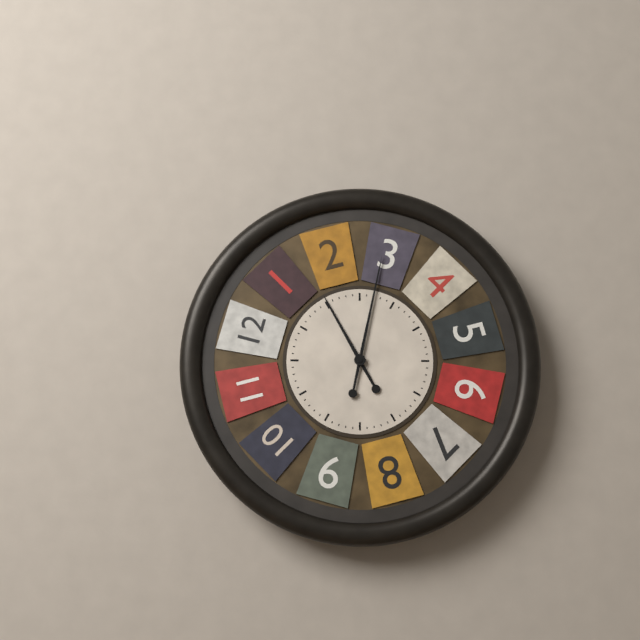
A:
11:02
